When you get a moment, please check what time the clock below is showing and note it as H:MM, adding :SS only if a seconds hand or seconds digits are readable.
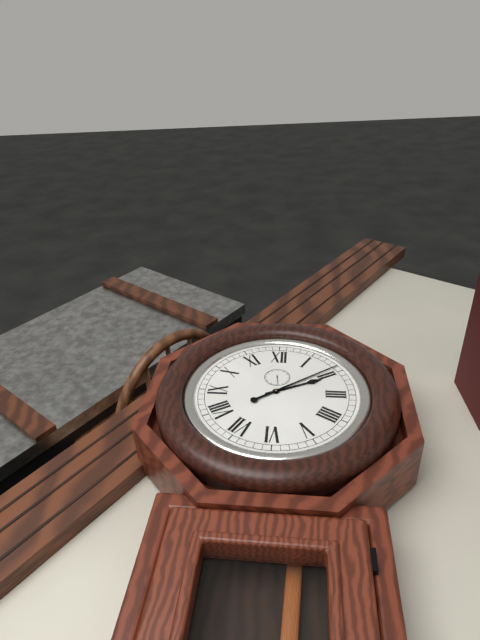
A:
2:09
